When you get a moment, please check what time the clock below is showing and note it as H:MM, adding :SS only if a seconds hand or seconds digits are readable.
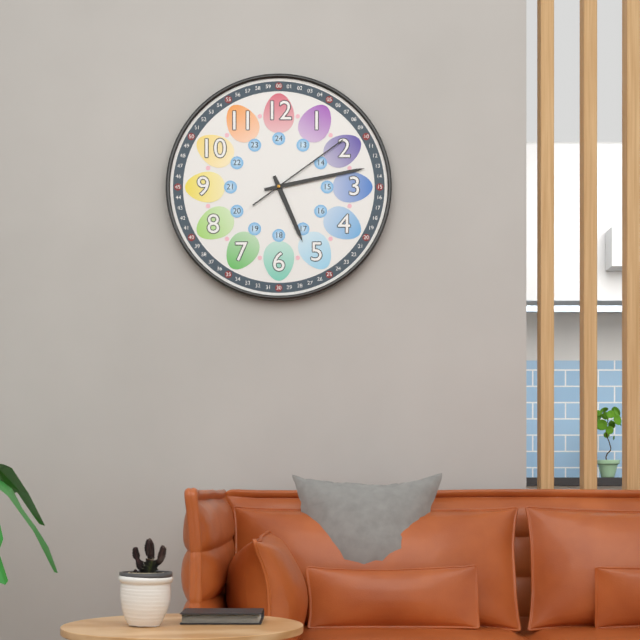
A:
5:13:09
